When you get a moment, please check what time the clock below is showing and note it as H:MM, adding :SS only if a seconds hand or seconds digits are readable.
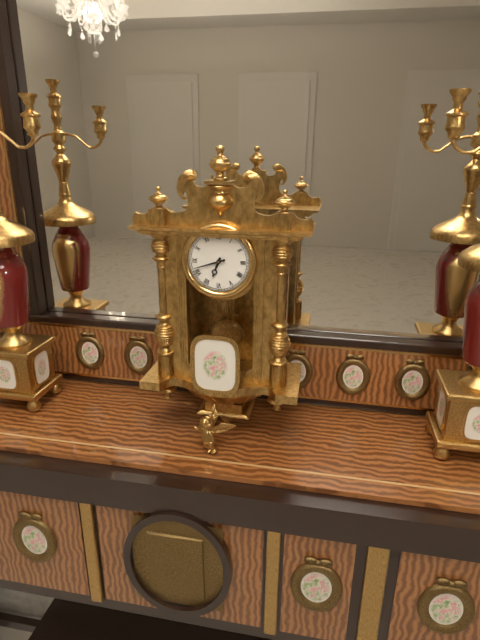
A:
6:42
